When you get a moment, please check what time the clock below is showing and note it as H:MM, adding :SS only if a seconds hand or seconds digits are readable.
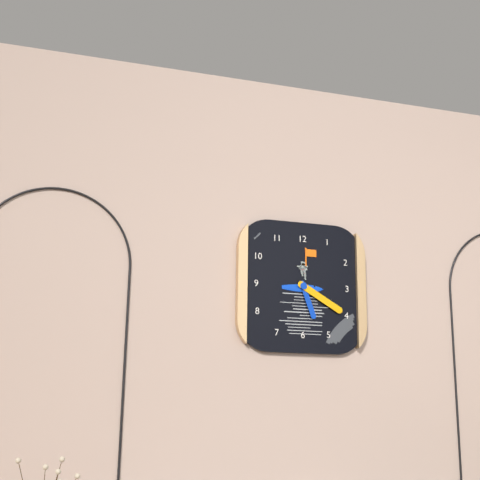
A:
5:20
